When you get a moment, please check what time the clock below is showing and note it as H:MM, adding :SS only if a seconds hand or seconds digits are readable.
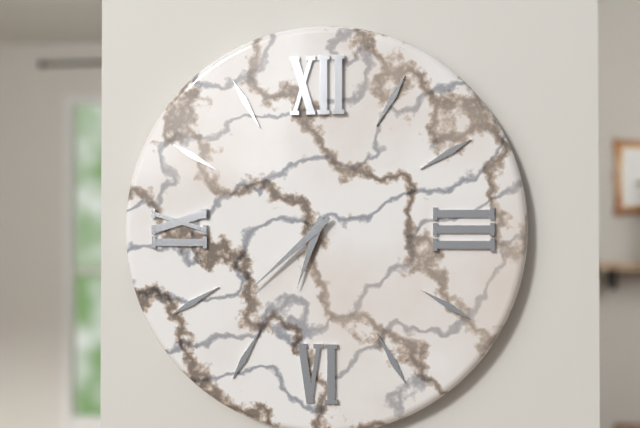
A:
6:38
